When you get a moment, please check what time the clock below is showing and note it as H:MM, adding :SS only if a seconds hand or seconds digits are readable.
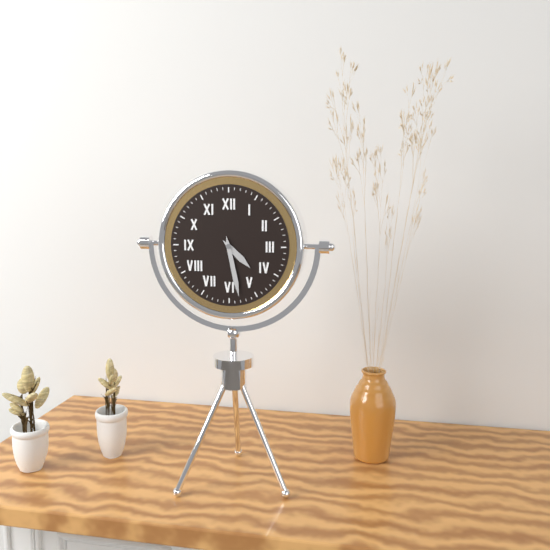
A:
4:28
